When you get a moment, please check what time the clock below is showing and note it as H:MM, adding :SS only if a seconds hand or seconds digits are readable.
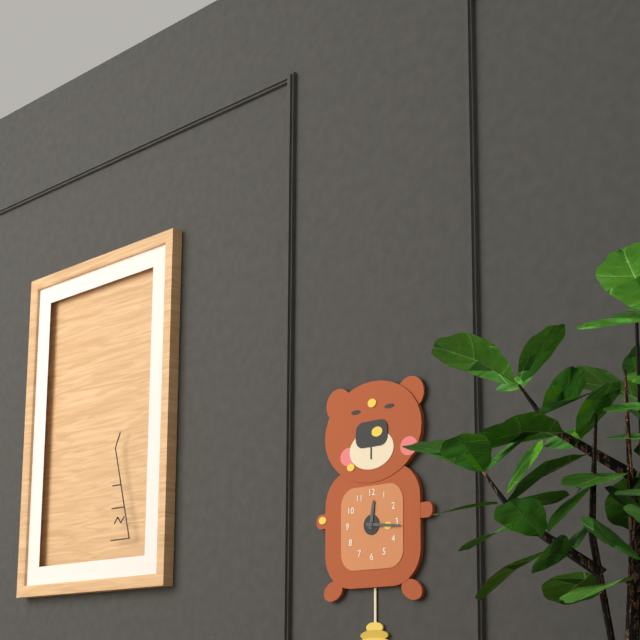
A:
12:16
